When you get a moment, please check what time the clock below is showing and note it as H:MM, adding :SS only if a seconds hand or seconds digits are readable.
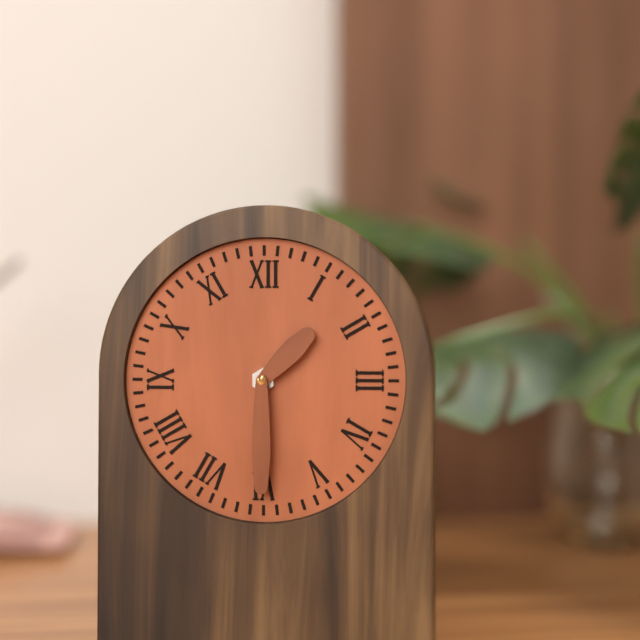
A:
1:30
